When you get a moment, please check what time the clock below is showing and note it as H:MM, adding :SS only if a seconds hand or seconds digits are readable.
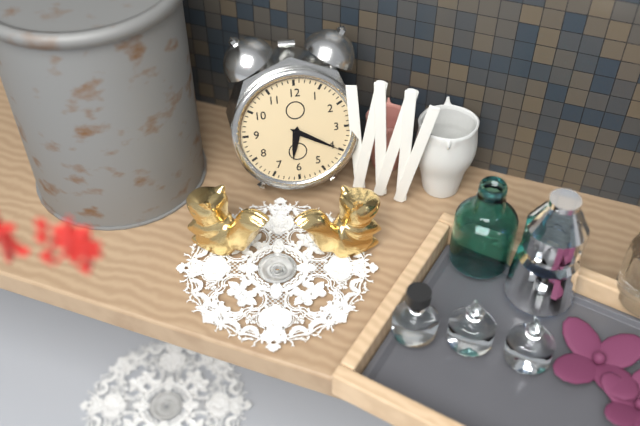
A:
6:20
